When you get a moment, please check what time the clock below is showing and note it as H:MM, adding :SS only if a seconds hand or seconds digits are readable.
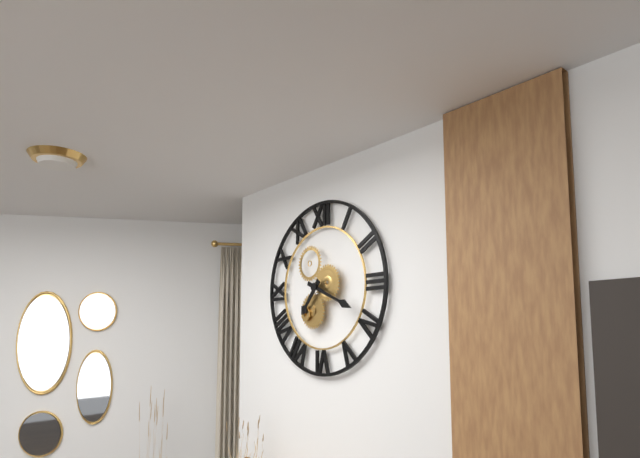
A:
7:19
